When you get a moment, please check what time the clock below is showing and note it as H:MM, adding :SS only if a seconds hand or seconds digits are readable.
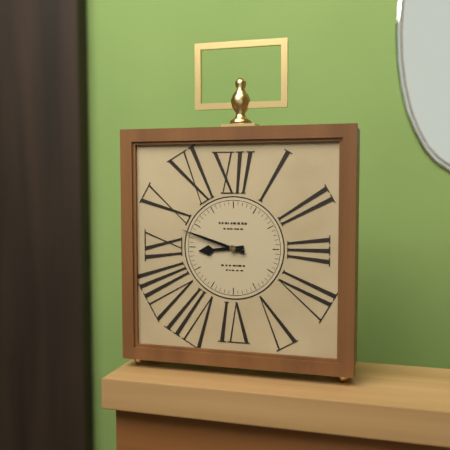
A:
8:48
